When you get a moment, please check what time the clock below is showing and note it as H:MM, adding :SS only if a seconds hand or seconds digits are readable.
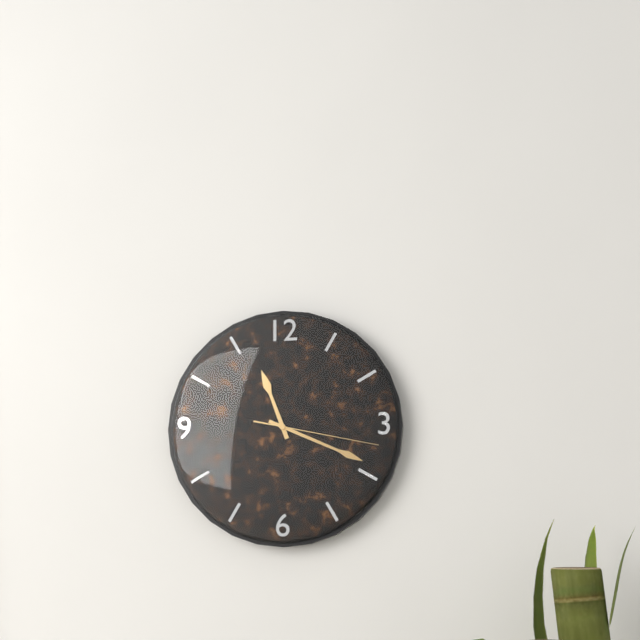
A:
11:19:17
